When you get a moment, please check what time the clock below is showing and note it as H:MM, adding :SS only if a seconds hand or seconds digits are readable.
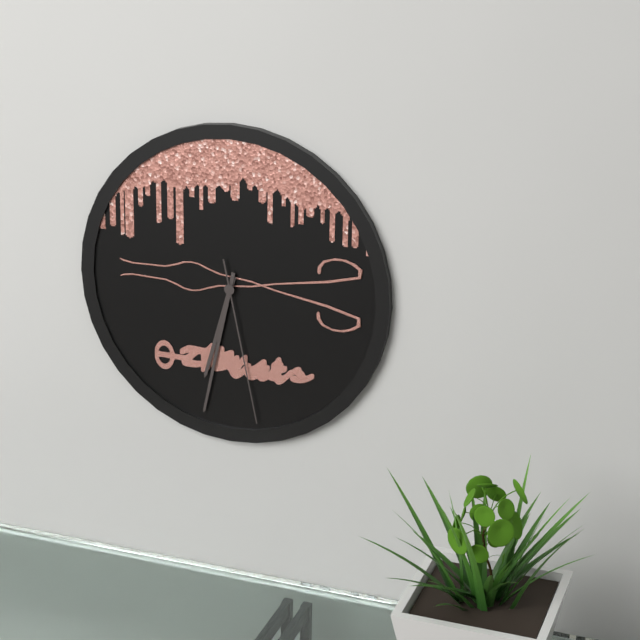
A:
6:32:28
